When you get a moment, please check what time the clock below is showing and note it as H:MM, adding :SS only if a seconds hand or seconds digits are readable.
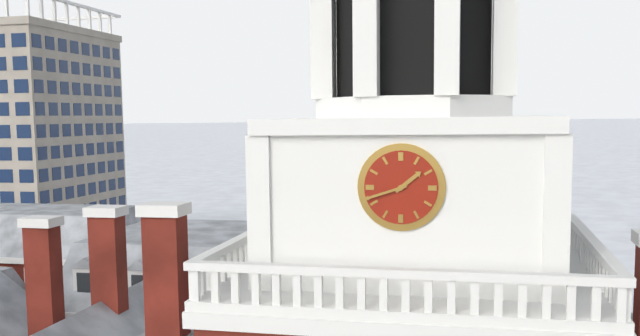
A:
1:42
